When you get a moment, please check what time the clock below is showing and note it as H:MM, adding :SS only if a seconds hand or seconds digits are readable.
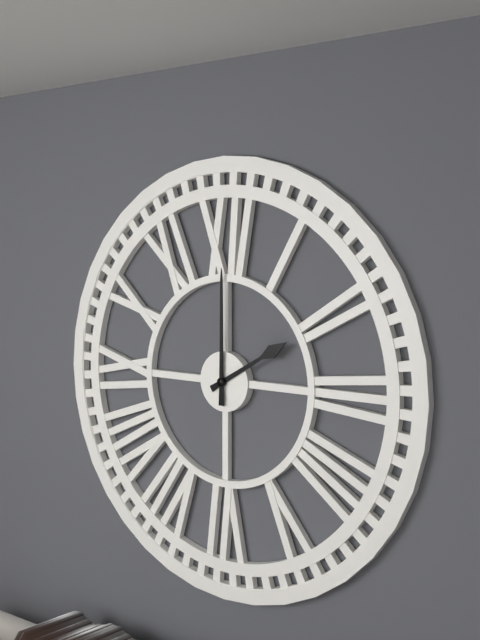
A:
2:00
